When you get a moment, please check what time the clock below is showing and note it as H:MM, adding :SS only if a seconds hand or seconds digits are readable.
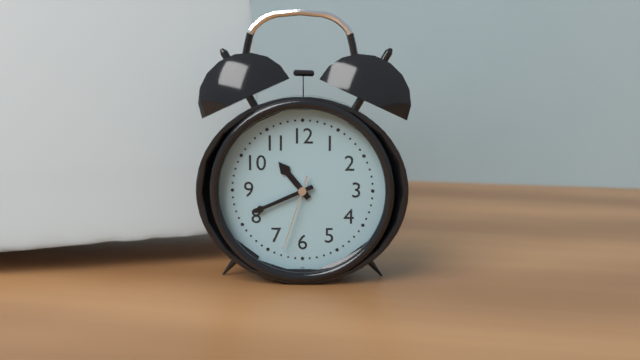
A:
10:41:33
